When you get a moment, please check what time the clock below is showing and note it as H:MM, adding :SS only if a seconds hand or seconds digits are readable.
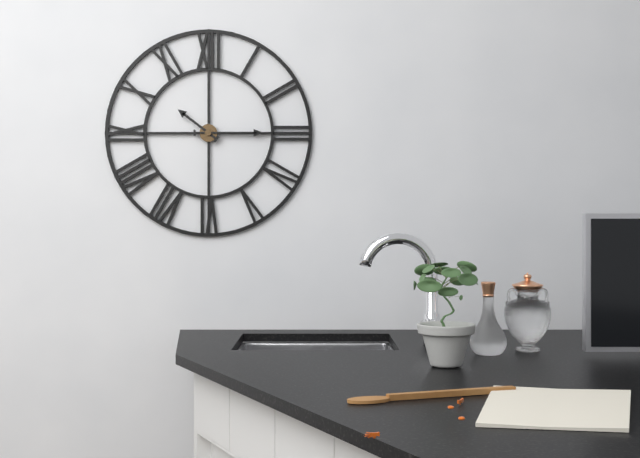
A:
10:15
